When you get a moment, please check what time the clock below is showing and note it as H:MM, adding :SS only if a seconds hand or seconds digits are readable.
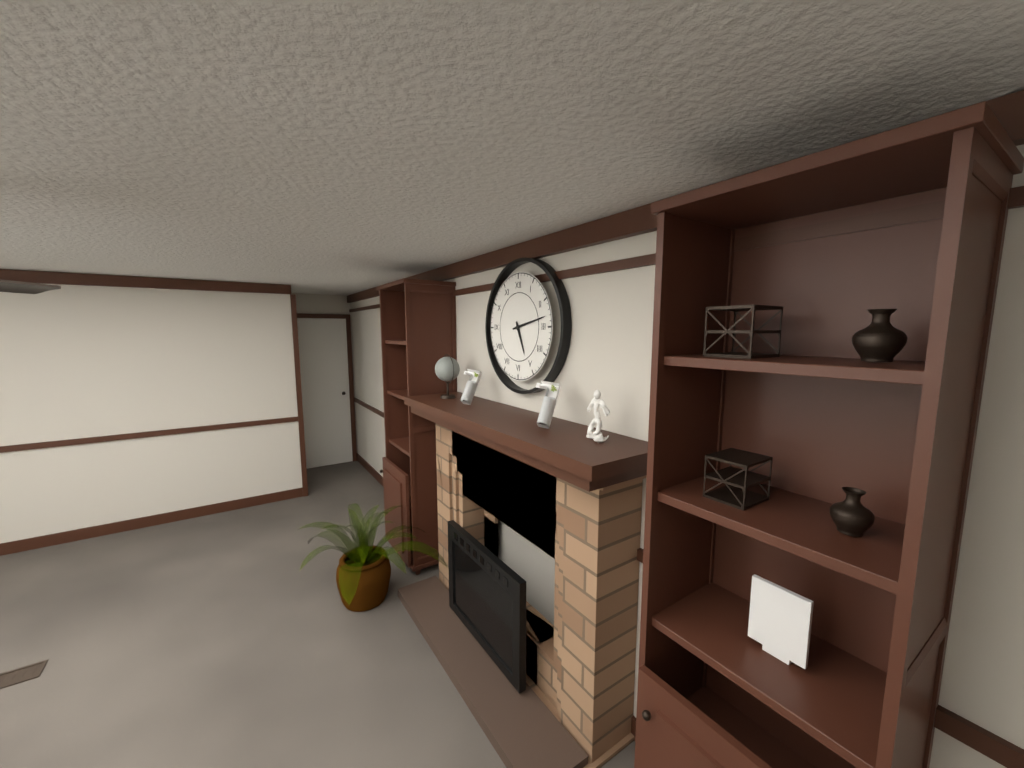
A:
5:13
